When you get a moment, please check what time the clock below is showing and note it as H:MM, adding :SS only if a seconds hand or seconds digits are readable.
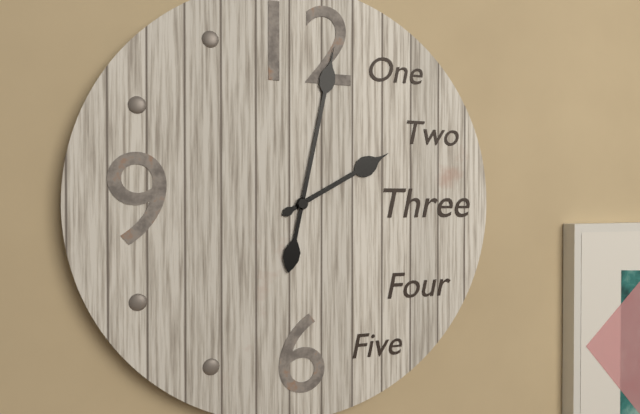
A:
2:02
